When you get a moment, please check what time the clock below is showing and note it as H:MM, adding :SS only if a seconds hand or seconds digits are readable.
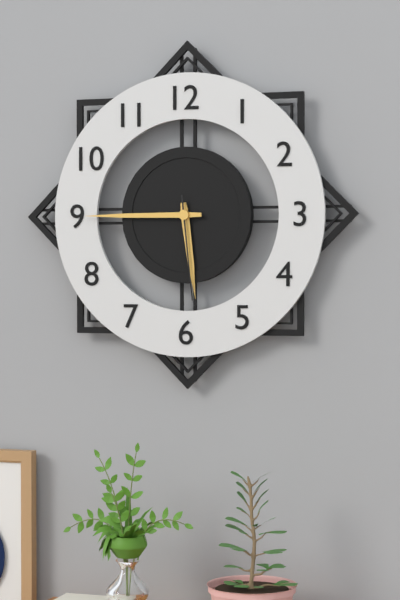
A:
5:45:29
